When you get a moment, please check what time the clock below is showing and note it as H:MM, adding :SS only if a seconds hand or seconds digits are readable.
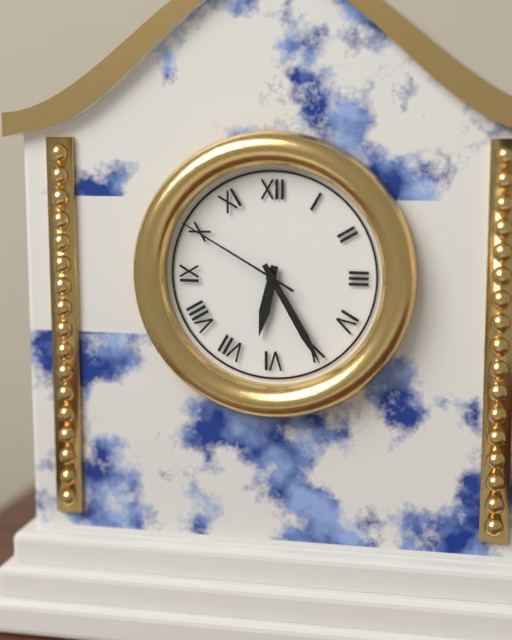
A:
6:25:50
